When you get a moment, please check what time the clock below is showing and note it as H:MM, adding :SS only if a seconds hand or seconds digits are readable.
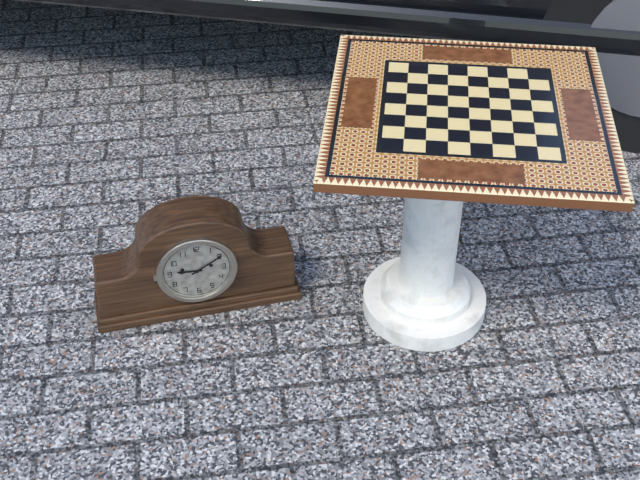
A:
9:10
